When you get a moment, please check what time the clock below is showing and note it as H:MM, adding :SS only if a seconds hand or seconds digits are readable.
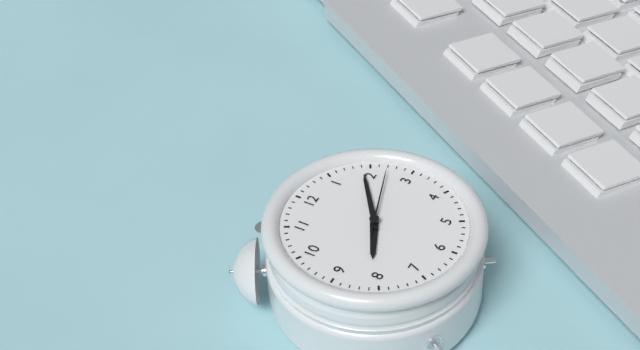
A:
8:09:12
